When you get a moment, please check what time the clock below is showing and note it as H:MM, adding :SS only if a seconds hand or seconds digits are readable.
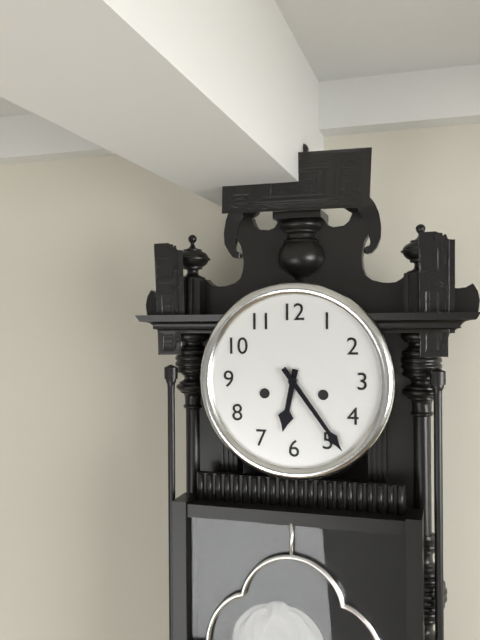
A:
6:24
